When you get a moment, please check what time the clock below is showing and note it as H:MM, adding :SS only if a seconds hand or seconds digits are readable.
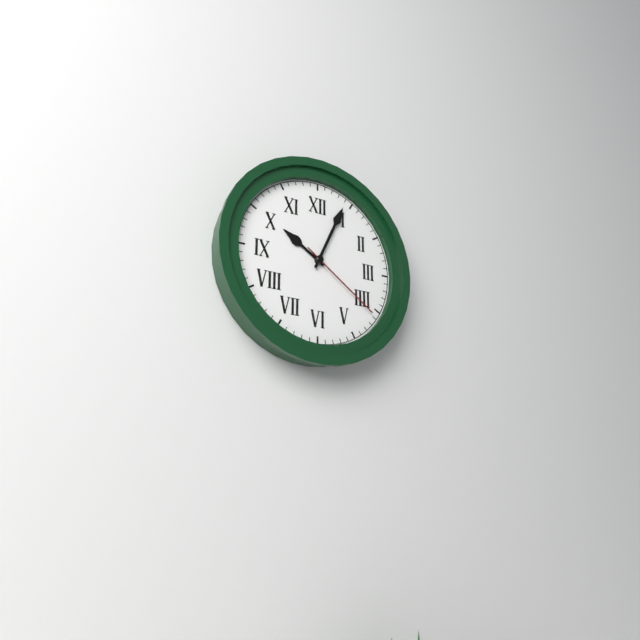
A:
10:04:21
